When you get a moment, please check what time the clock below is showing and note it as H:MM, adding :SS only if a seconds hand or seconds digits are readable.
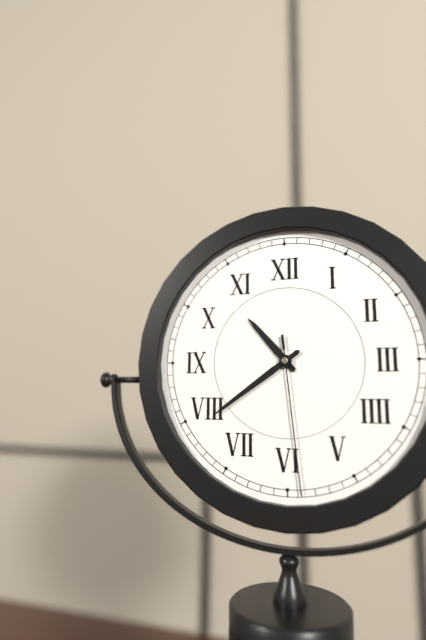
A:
10:39:29
